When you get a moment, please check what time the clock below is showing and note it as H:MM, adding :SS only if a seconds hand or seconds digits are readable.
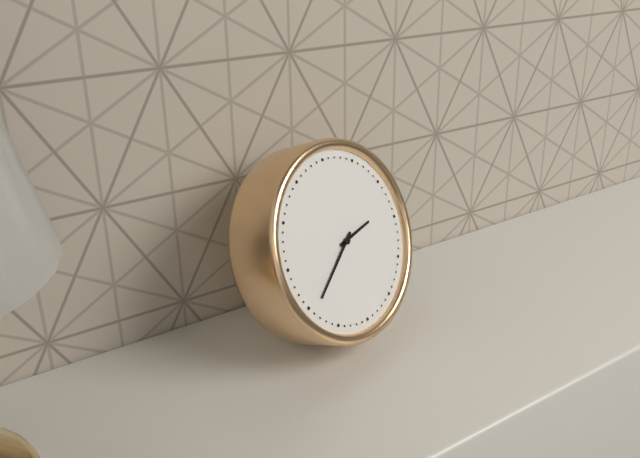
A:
2:39
